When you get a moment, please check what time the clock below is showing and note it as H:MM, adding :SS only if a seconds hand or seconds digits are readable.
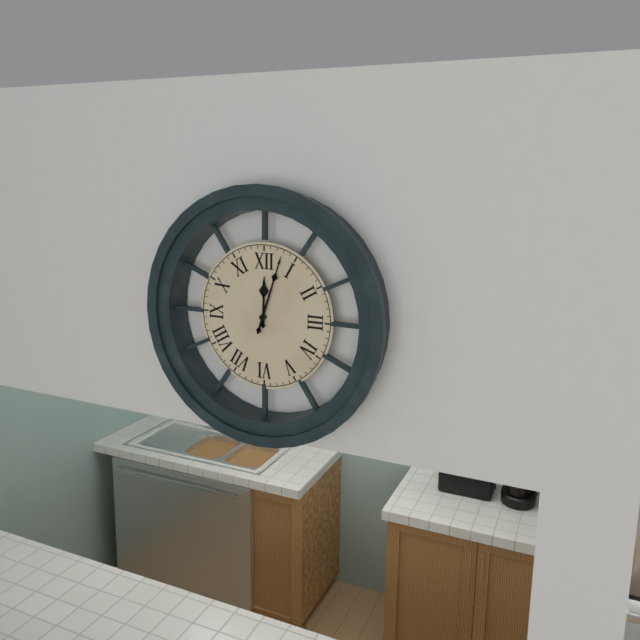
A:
12:03
